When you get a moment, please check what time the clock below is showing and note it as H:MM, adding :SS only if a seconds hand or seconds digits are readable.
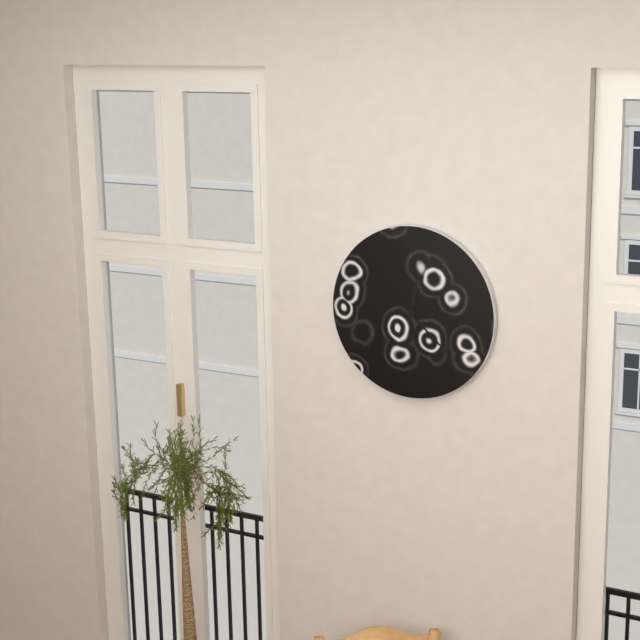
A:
12:22
